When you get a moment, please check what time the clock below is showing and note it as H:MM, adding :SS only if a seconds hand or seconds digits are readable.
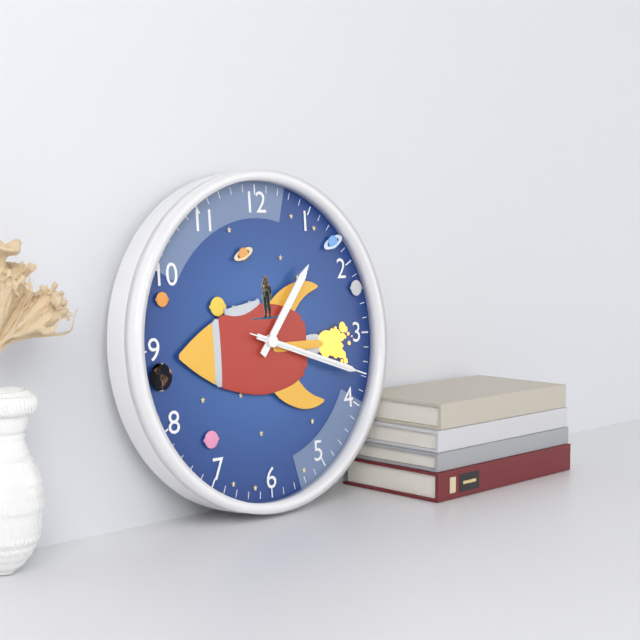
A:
1:18:18
